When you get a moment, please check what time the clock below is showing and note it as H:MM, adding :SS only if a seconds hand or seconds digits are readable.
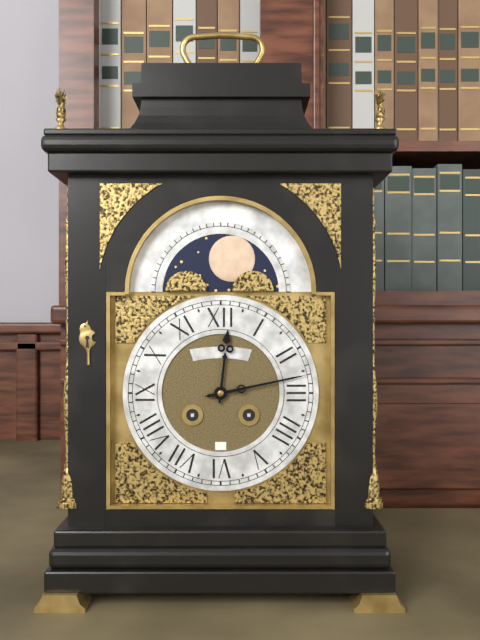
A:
12:13
